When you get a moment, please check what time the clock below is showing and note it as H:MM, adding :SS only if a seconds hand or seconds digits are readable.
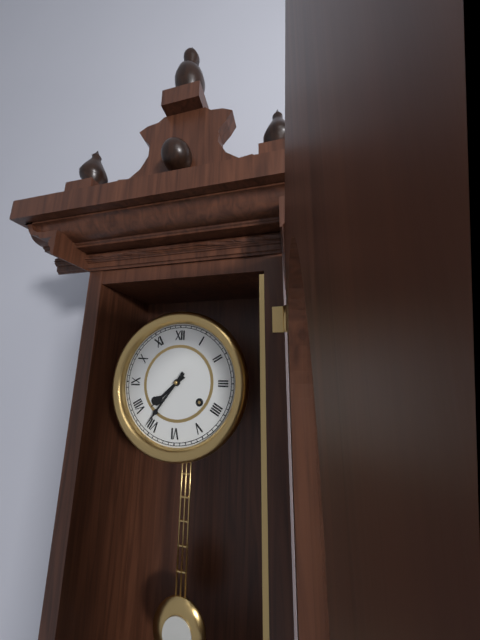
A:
7:36
